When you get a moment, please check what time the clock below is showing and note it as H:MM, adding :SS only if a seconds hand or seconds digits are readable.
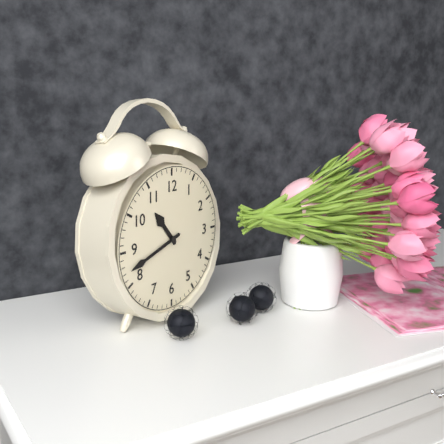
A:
10:42
